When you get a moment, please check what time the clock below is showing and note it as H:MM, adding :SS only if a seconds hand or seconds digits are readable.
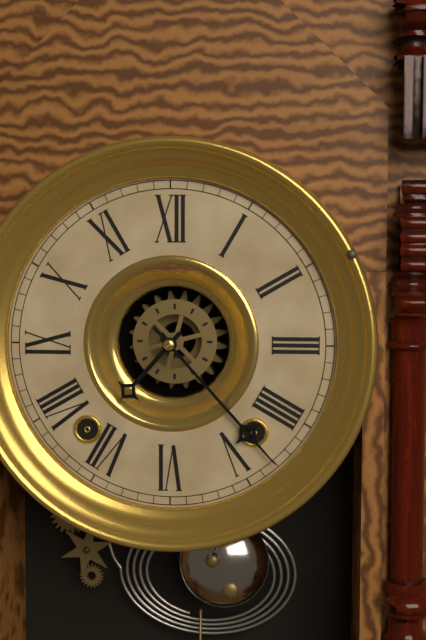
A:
7:23
